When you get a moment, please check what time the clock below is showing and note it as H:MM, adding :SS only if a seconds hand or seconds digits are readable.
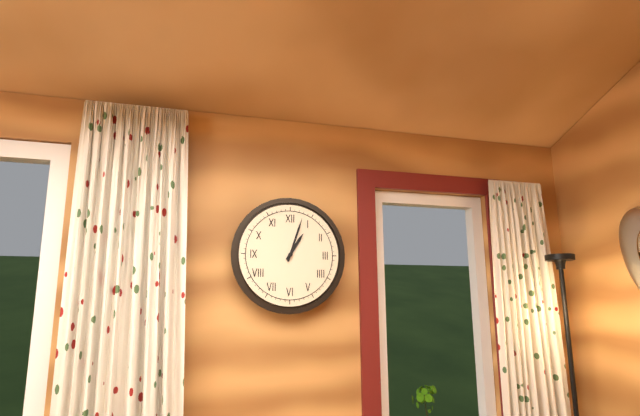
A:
1:03
